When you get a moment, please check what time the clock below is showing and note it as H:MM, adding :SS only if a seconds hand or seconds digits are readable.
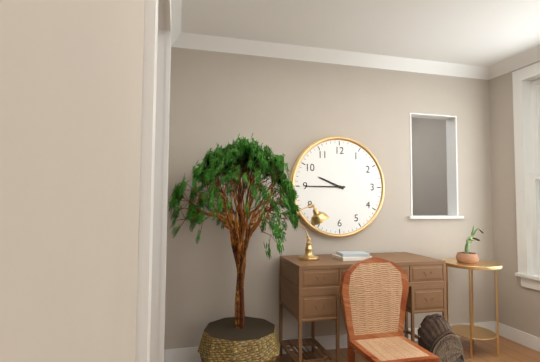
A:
9:45
